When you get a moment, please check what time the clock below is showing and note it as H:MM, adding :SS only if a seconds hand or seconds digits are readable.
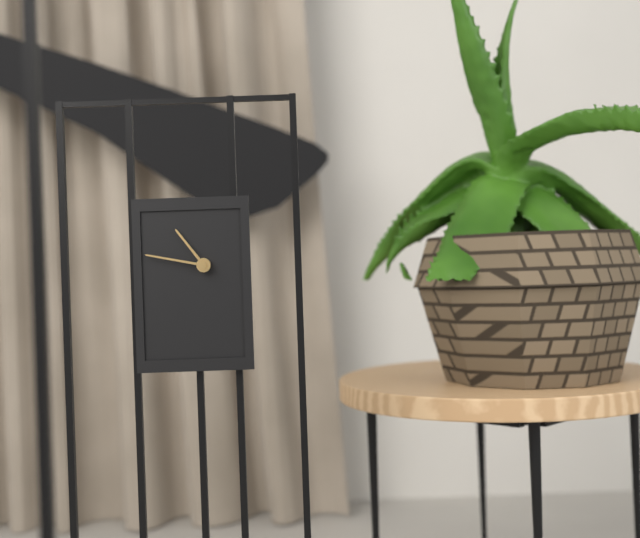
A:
10:47
